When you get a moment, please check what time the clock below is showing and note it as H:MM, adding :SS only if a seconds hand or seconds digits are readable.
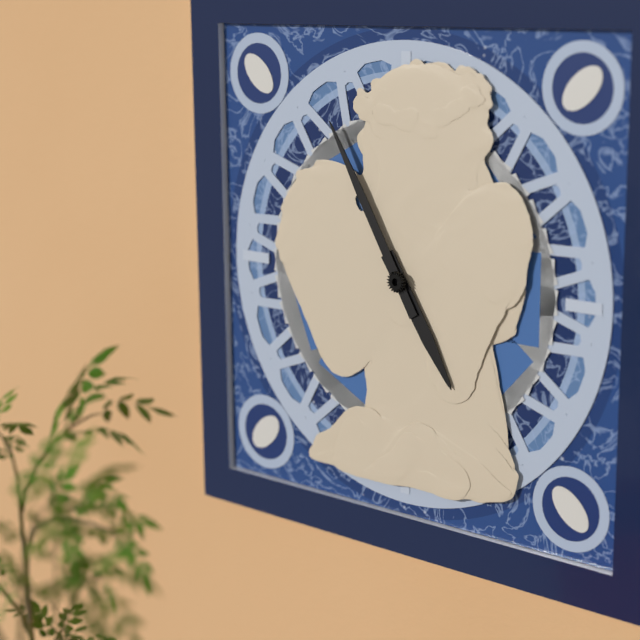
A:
4:55
